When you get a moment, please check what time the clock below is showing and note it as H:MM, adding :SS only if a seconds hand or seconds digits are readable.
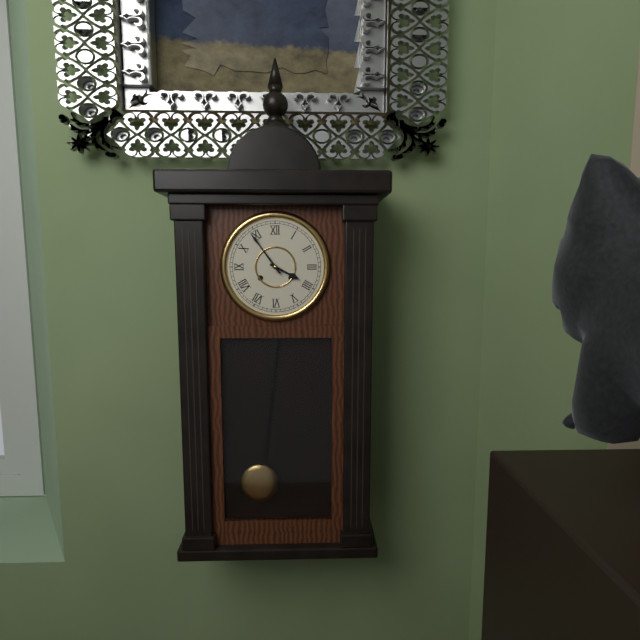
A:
3:54
